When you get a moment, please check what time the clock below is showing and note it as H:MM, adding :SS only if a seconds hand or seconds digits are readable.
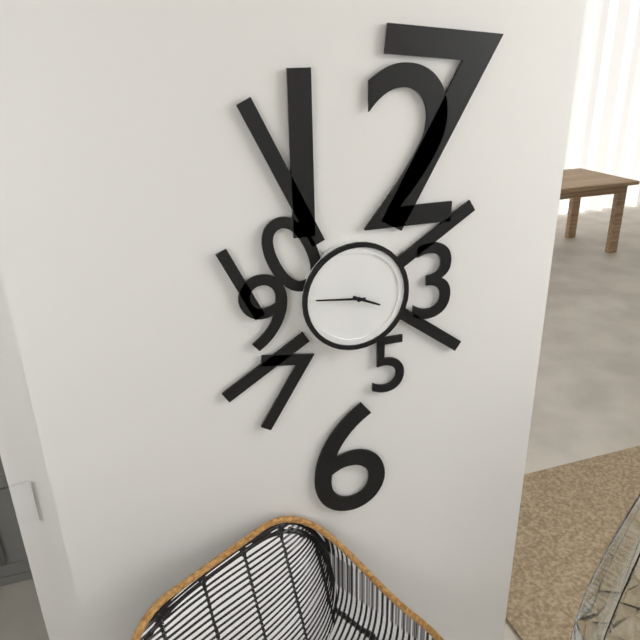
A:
3:46
